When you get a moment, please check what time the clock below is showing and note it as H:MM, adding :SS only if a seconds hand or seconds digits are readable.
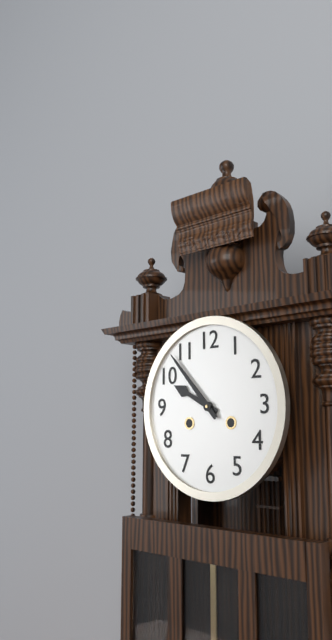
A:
9:53
